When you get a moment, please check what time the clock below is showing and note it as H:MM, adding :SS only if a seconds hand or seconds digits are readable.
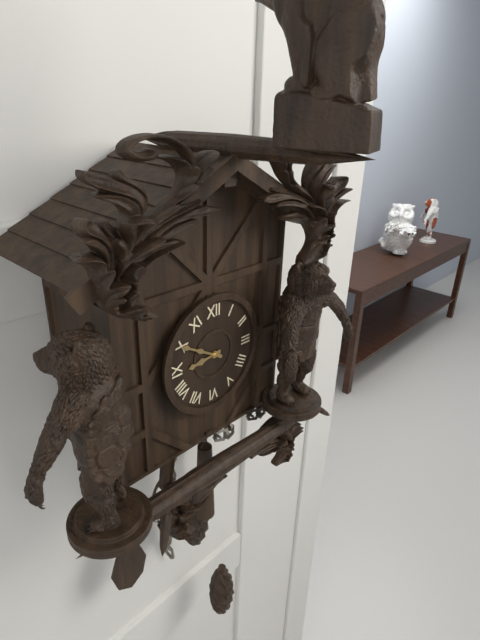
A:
8:50
